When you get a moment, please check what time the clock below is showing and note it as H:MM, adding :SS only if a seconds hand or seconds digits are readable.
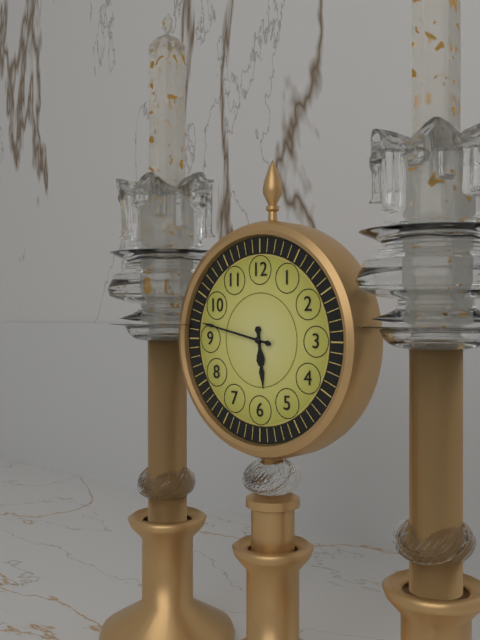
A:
5:47
